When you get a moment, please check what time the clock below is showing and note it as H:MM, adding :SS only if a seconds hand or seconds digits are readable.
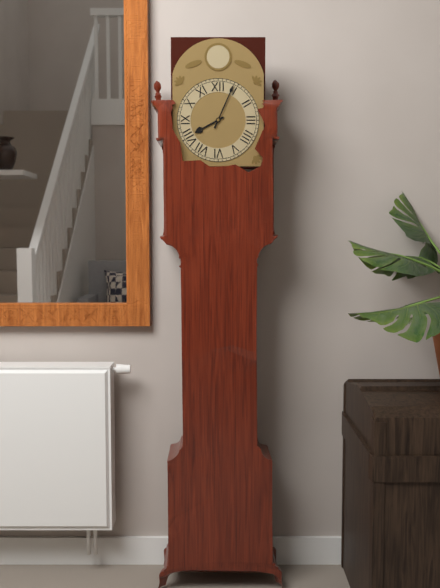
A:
8:04
